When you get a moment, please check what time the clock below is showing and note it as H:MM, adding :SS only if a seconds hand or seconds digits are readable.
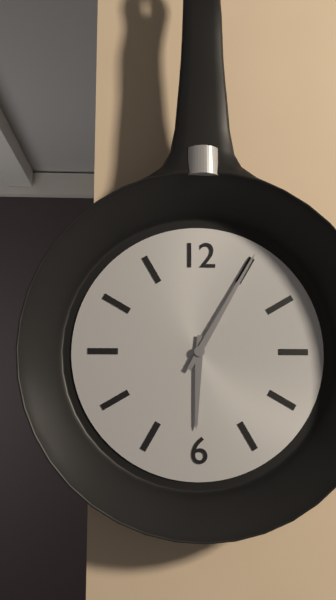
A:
6:05
